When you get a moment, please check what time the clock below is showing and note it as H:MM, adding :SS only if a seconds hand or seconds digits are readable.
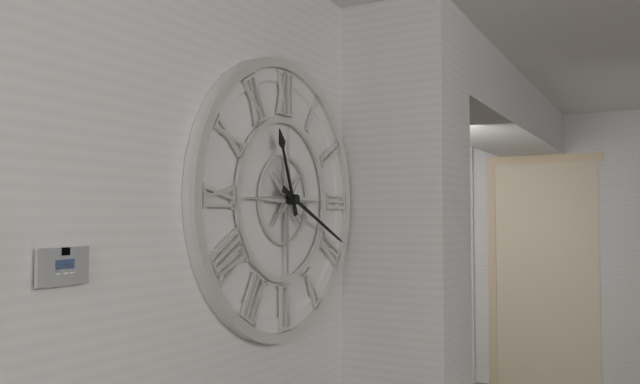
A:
11:19
